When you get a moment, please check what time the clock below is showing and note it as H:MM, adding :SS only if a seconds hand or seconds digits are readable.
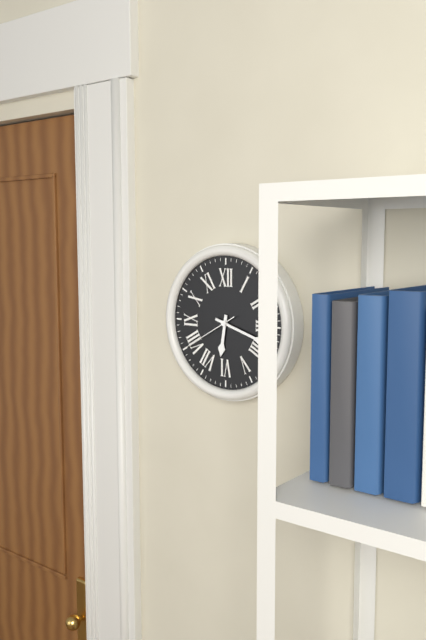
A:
6:18:40
